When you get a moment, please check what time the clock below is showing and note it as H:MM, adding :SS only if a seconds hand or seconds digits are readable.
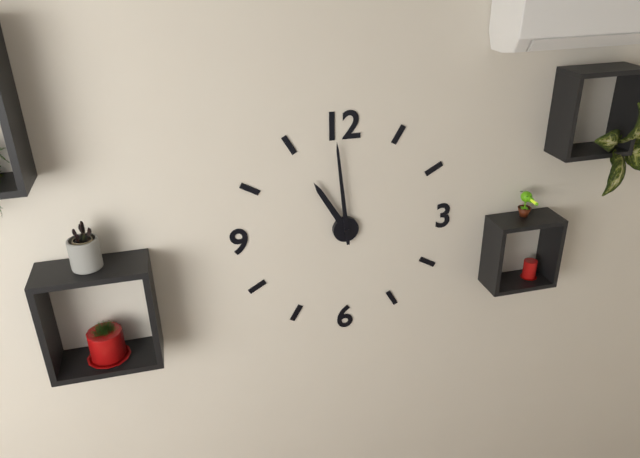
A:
10:59
